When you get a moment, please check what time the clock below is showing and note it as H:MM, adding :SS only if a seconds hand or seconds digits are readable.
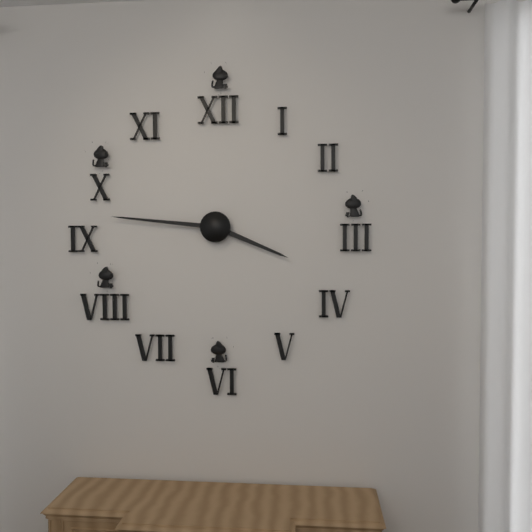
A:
3:46
